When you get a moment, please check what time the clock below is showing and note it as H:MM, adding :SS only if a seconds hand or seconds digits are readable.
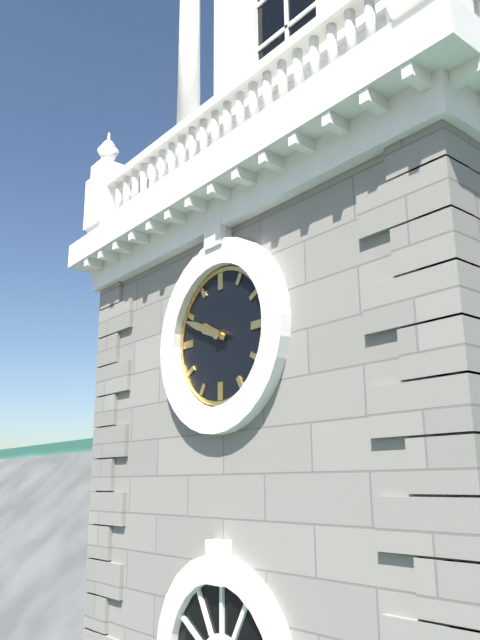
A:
9:49
